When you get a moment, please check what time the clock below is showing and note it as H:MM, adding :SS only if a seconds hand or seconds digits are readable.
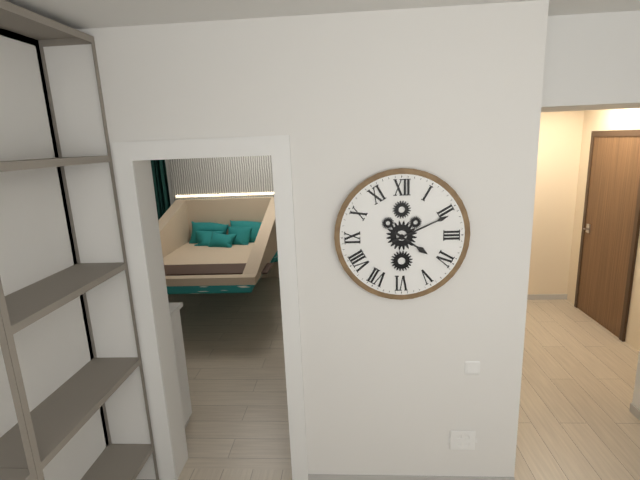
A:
4:11
